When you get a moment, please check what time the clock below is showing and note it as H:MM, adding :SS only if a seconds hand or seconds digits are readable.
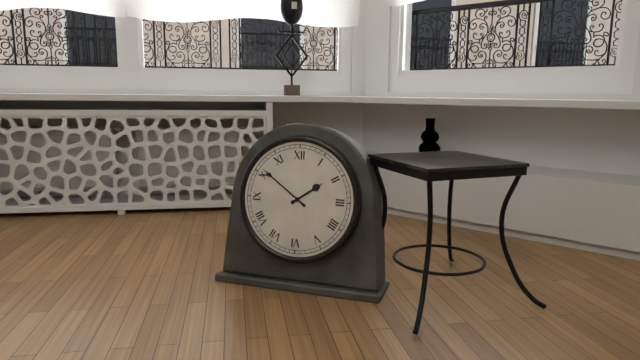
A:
1:51
